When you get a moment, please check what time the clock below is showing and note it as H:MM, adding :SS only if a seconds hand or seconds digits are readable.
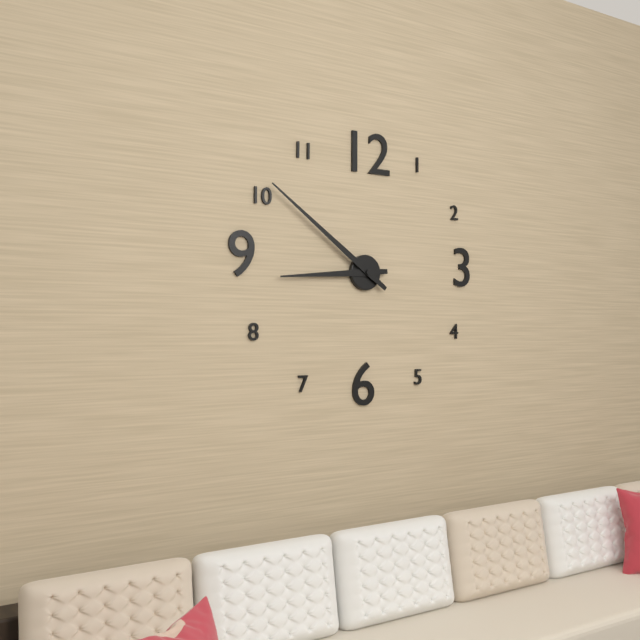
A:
8:51
